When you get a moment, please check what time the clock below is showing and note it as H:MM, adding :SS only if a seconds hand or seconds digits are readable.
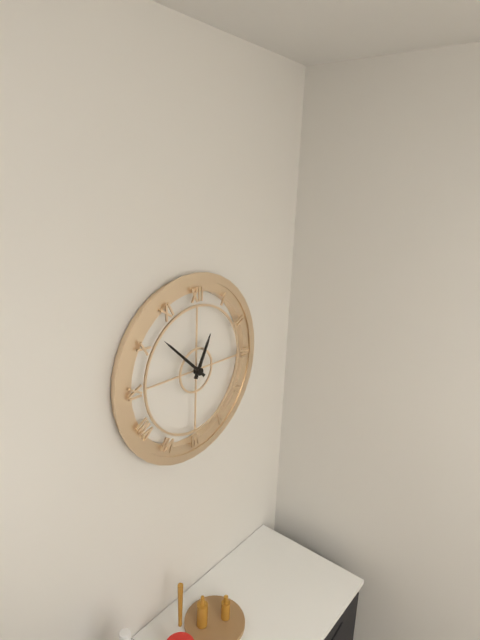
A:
12:52
